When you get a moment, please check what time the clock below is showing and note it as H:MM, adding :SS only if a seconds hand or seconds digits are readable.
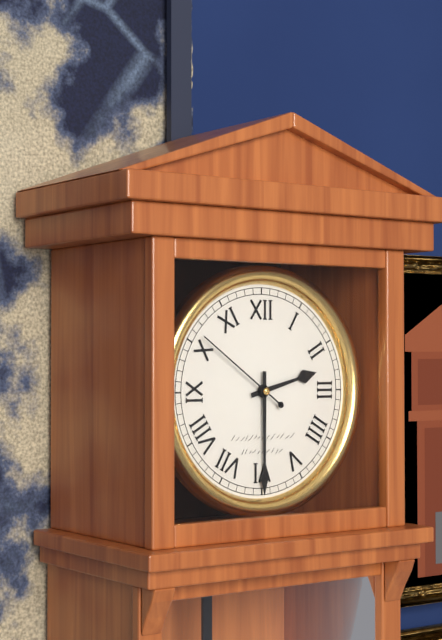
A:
2:30:51
